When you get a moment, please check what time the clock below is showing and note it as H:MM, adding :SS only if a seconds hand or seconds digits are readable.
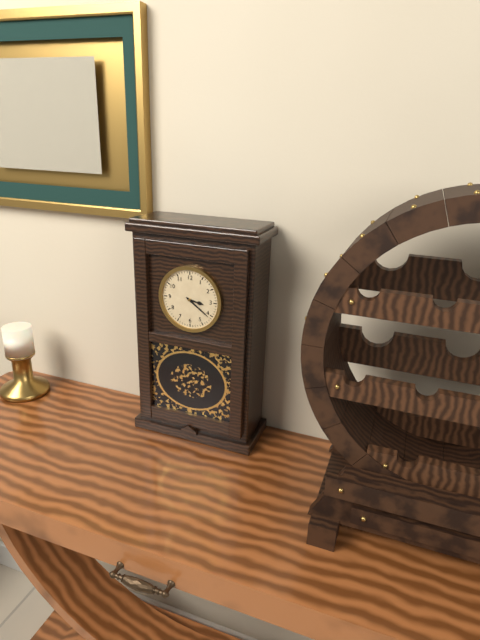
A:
3:21
